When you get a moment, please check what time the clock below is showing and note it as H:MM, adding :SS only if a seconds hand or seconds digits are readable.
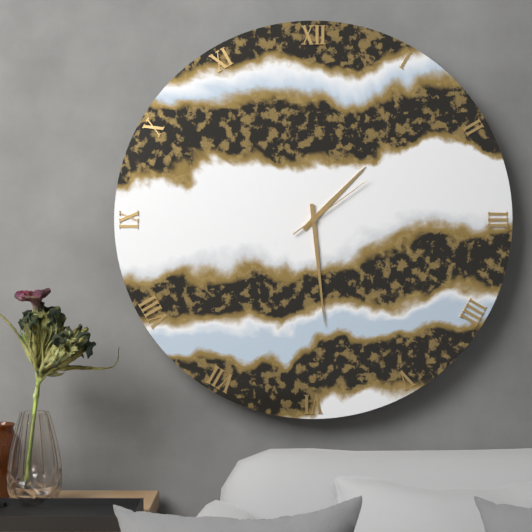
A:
1:29:09
